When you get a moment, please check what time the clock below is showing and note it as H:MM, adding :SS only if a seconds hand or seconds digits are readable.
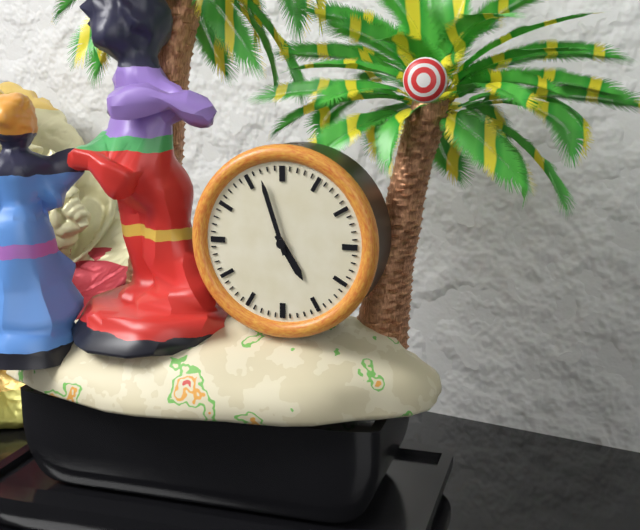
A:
4:57
